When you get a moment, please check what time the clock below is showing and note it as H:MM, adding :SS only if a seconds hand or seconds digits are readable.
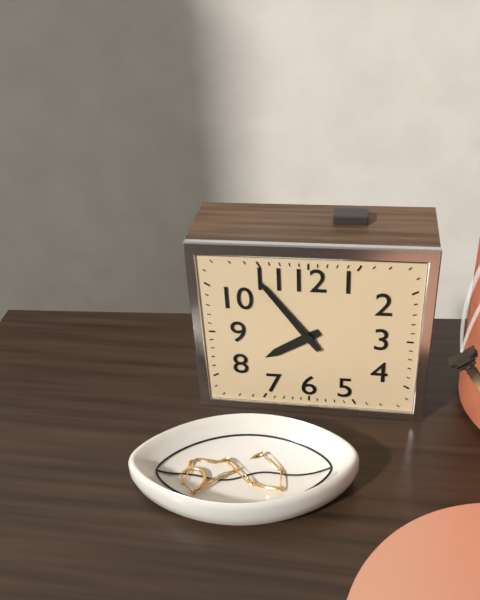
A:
7:54
